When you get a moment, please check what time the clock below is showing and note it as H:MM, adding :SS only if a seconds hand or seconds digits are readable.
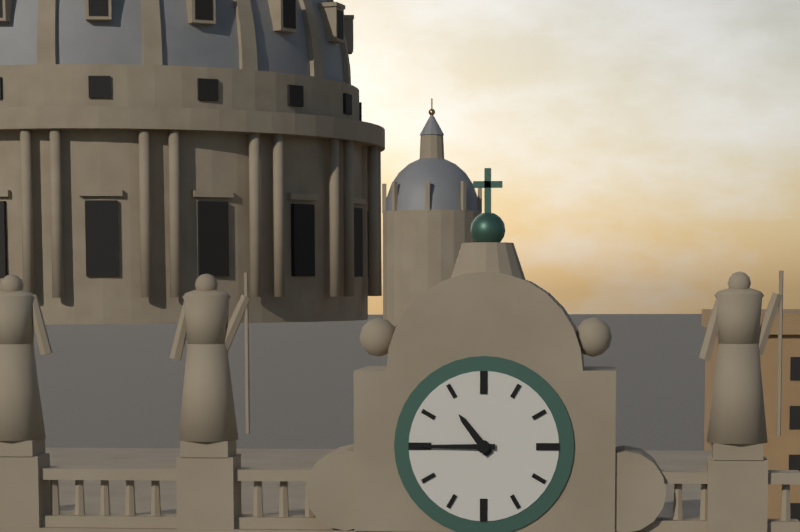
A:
10:45
